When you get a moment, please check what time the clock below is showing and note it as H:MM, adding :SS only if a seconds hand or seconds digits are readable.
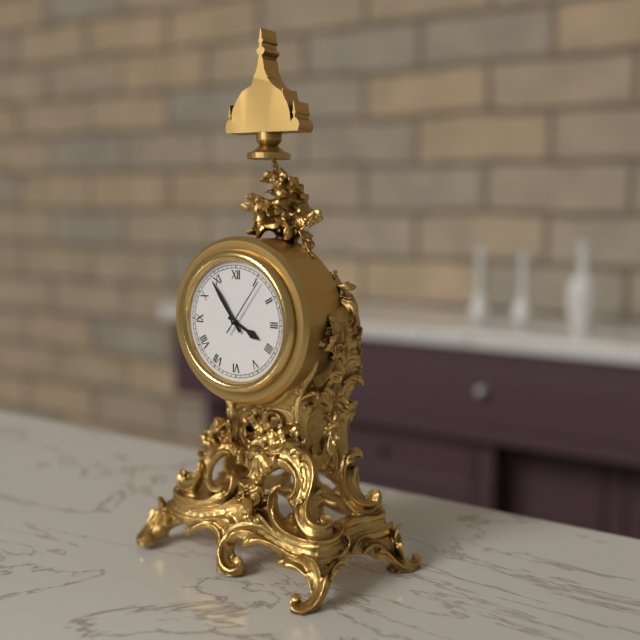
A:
3:54:06
